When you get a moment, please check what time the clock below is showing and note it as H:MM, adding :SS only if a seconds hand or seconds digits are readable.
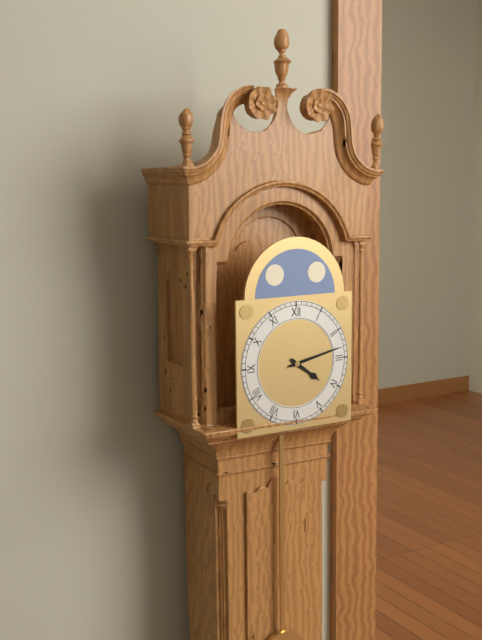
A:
4:13
